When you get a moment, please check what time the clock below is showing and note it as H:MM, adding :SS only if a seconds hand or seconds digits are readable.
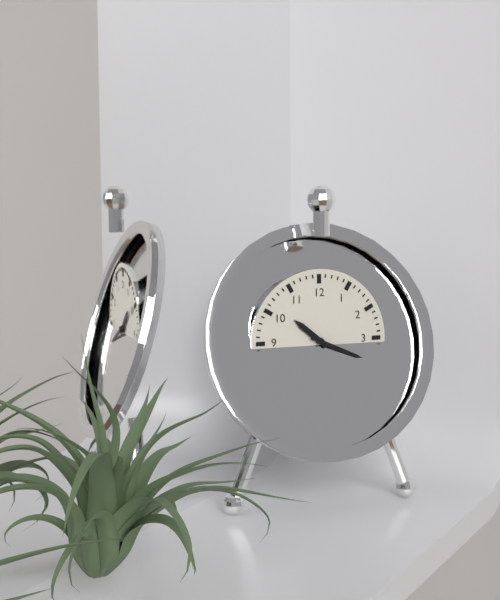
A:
10:19
